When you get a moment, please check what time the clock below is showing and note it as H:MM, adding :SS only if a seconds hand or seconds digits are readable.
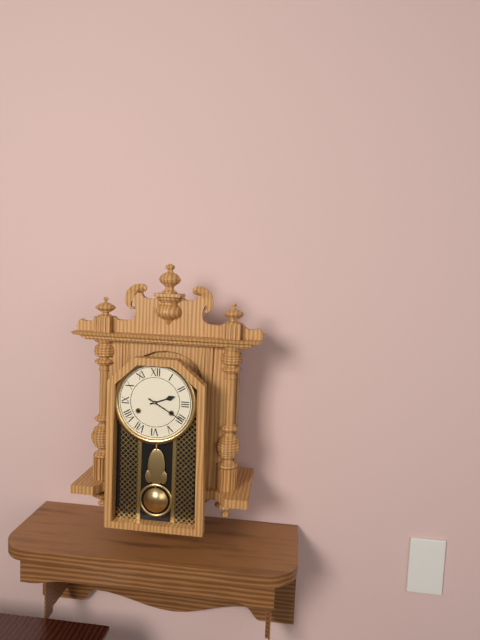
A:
2:20
